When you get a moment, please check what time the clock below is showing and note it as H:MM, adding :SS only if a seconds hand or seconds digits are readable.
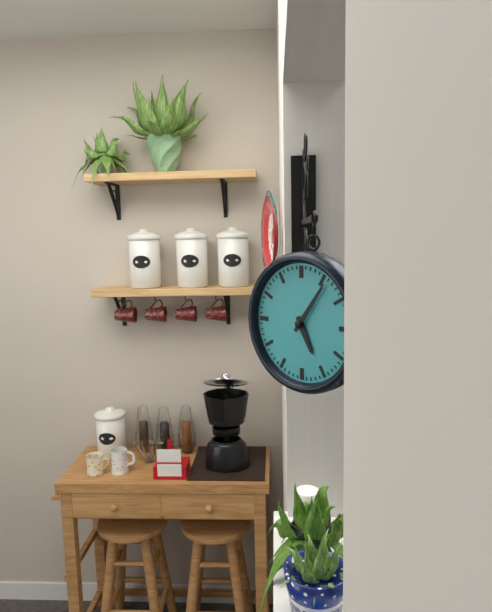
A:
5:06
